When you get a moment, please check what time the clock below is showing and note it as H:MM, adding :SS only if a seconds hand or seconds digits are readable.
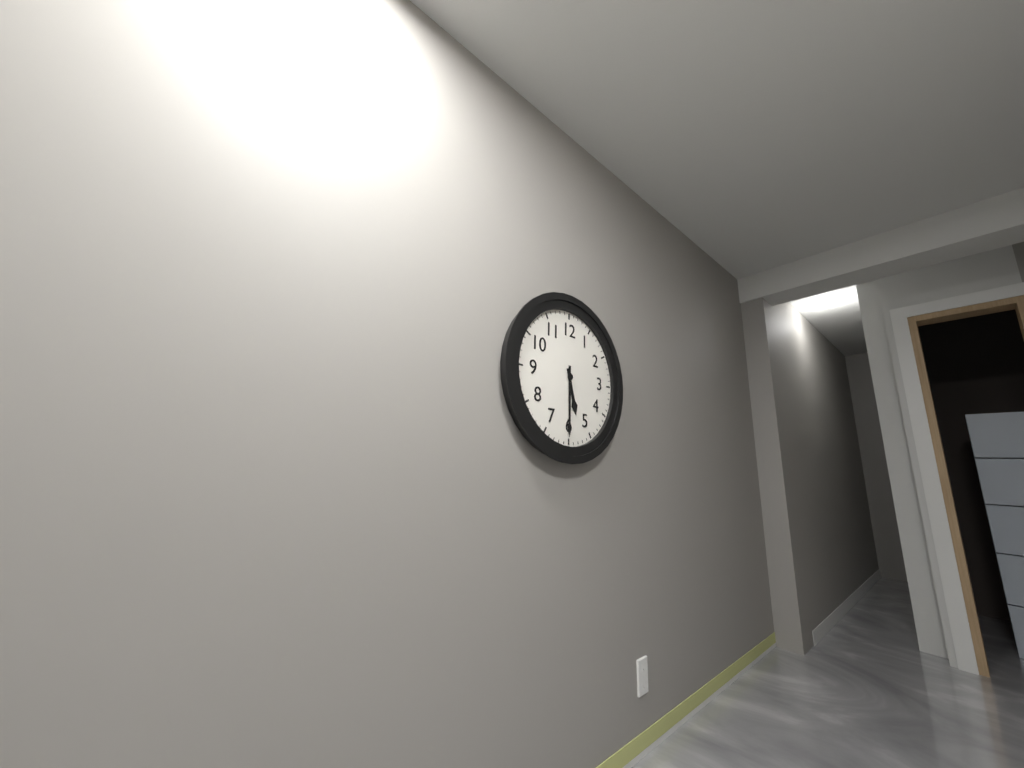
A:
5:30
